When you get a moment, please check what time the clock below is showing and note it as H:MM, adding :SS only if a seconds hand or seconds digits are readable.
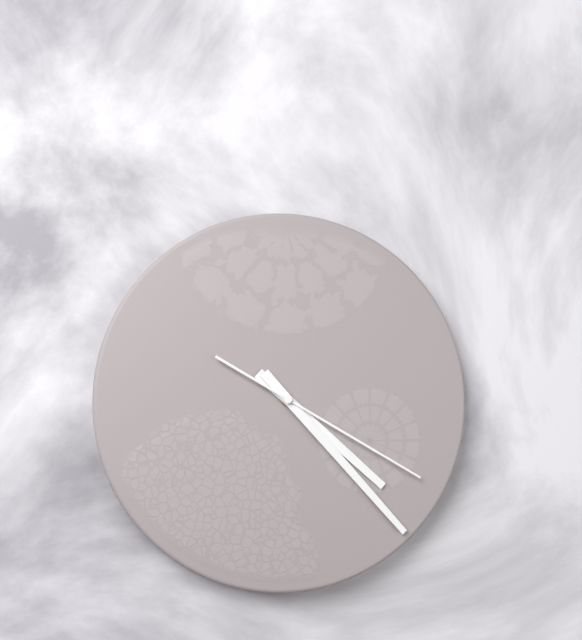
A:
4:23:20
